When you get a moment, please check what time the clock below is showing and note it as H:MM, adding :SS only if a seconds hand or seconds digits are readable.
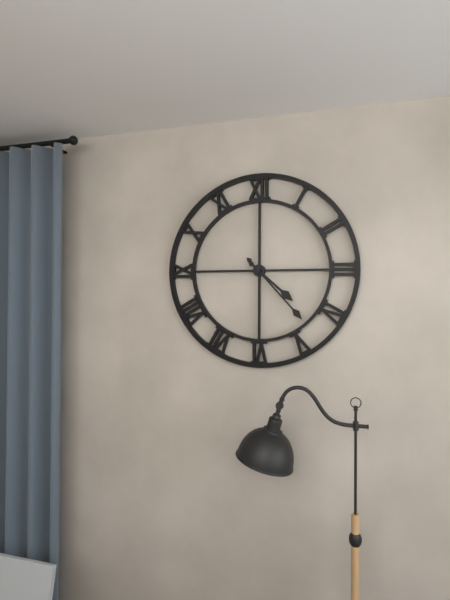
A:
4:23
